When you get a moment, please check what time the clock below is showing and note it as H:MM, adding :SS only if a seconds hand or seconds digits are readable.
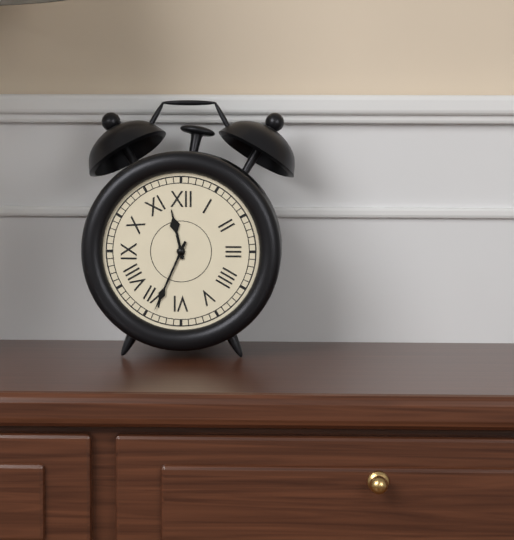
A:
11:34
